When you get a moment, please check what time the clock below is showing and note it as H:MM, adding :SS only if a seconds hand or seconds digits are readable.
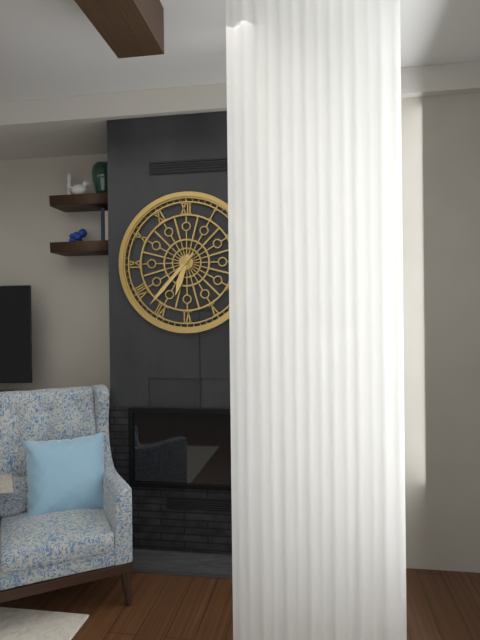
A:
6:37
